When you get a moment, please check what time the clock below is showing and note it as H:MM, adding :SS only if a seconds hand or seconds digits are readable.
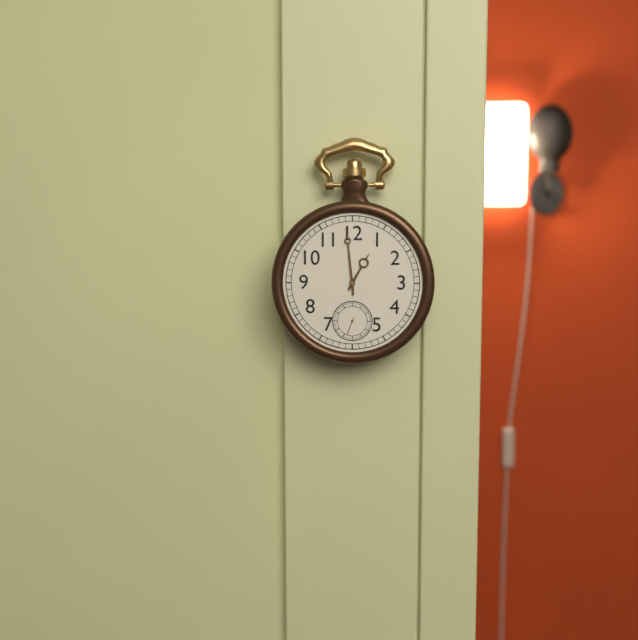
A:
12:59
